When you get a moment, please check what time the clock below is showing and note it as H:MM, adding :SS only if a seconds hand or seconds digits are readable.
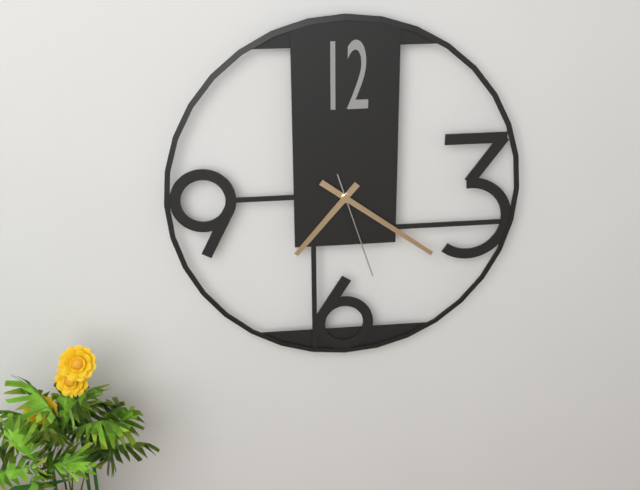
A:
7:21:27
